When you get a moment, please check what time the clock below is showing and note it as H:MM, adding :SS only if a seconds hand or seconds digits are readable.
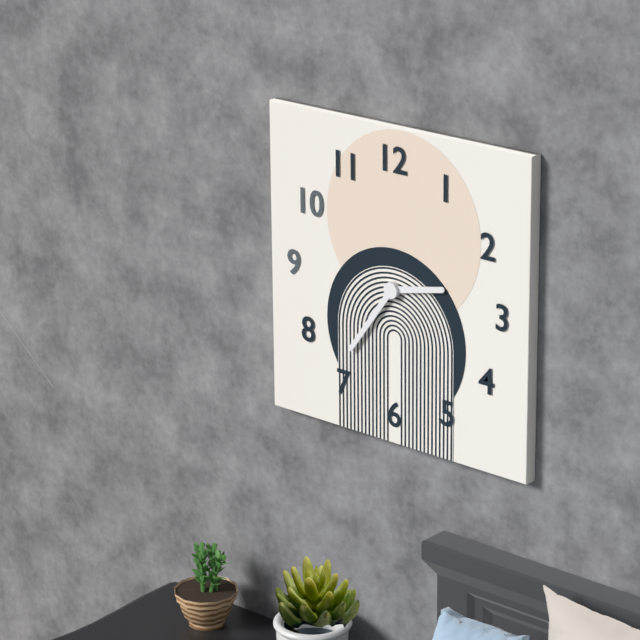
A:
2:36
